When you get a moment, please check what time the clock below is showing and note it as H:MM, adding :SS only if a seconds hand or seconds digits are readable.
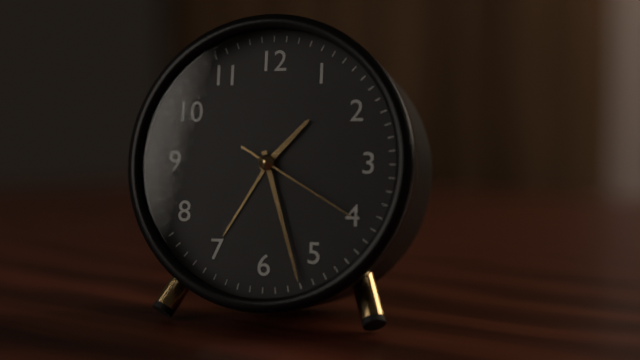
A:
1:27:20
